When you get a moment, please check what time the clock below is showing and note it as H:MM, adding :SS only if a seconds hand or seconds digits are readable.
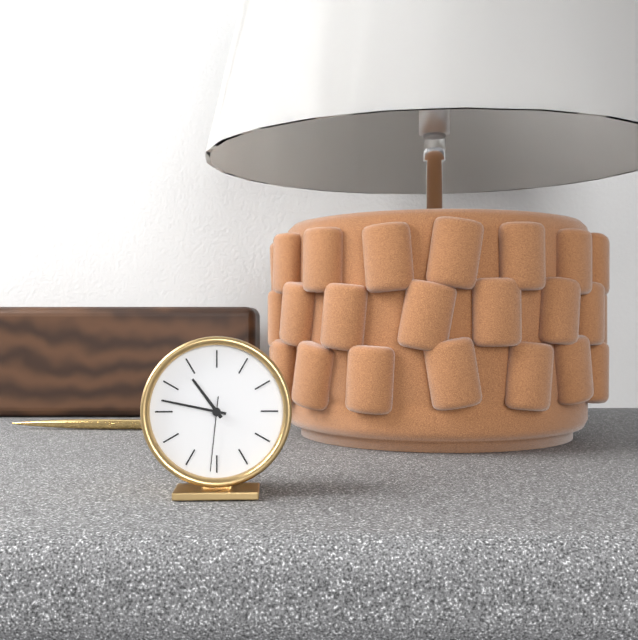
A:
10:47:31
